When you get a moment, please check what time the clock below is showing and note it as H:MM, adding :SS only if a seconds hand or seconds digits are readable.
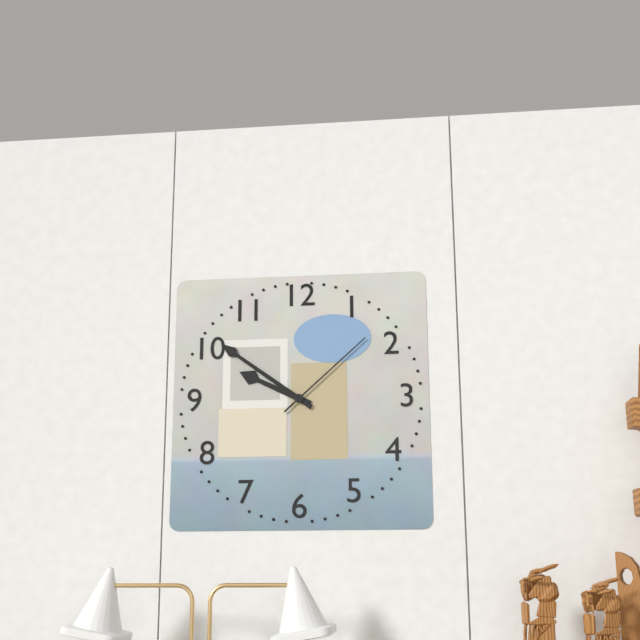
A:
9:51:08
